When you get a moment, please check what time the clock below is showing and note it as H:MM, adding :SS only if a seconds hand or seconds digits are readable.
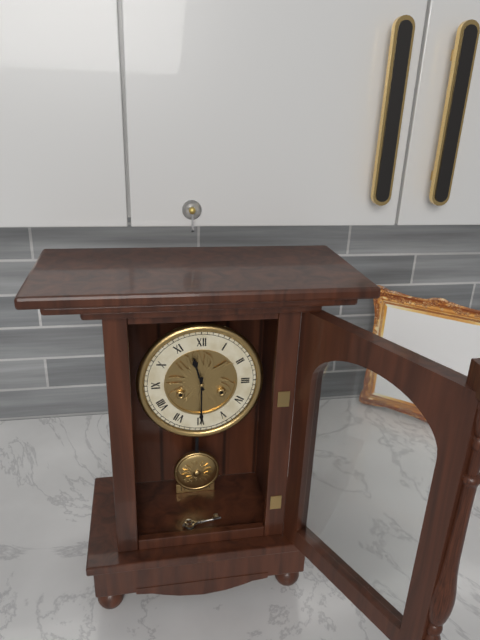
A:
11:30
